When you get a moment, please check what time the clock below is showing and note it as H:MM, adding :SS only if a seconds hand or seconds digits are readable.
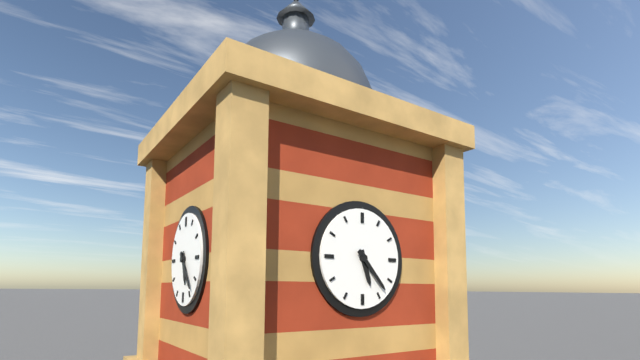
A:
5:23
